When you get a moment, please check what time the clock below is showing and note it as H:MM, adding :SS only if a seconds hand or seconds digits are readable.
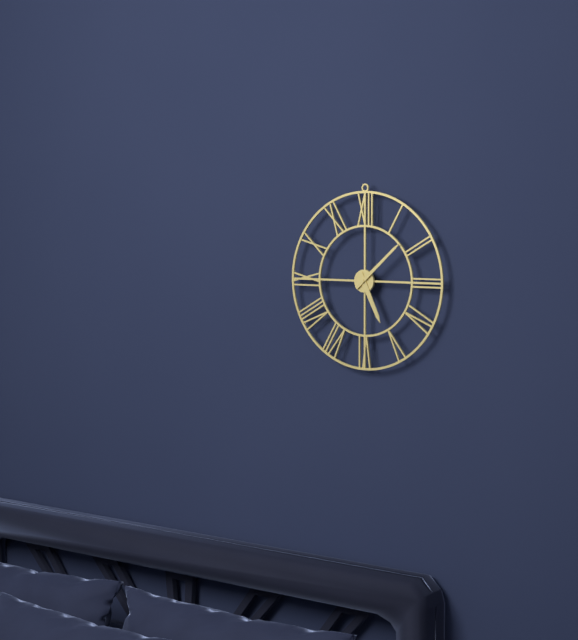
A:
5:08
